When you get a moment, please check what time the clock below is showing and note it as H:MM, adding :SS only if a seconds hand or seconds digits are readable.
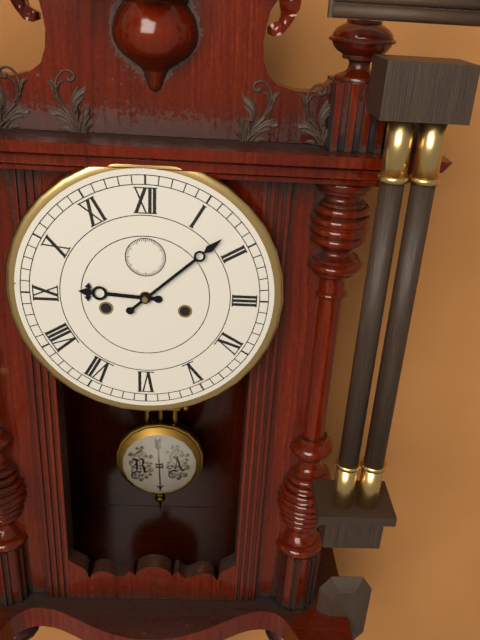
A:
9:08
